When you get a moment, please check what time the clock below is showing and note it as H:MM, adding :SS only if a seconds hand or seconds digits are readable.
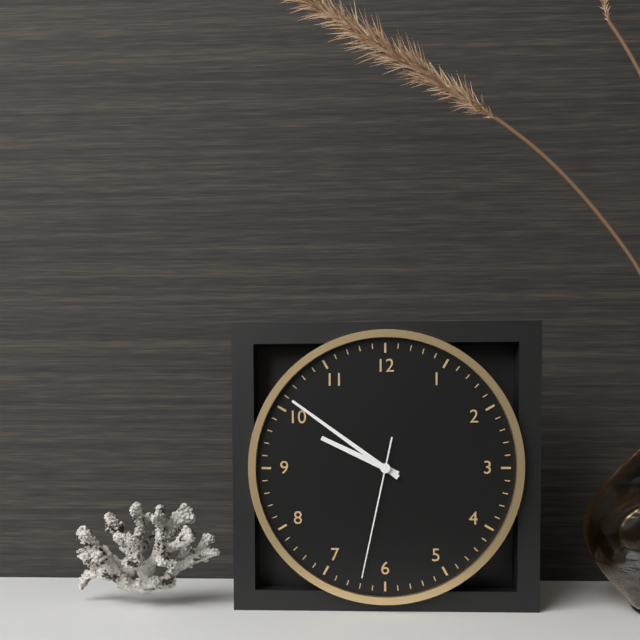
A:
9:51:32
